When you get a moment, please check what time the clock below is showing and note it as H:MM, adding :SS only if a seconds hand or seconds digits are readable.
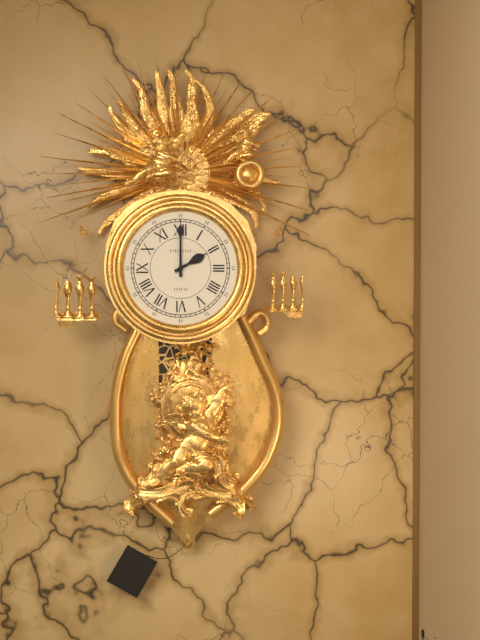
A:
2:00
